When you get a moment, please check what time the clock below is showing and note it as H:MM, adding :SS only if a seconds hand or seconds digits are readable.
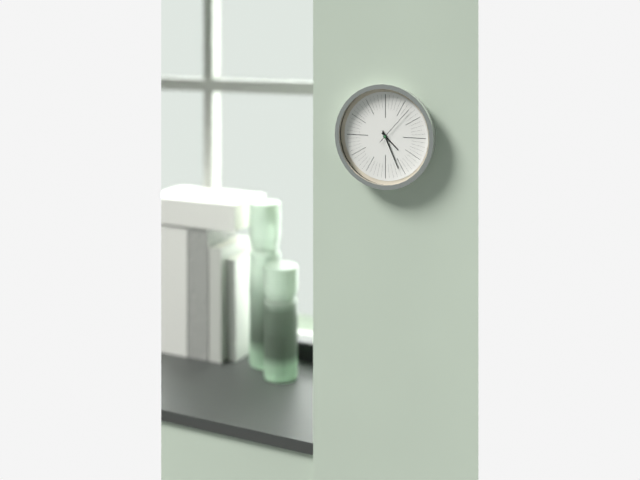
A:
4:26
